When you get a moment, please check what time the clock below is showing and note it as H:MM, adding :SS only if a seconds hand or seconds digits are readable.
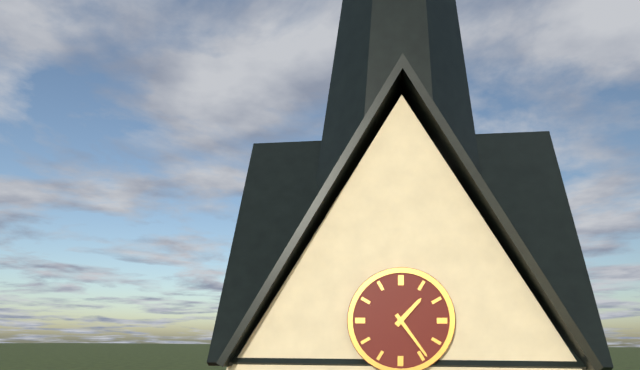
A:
1:24
